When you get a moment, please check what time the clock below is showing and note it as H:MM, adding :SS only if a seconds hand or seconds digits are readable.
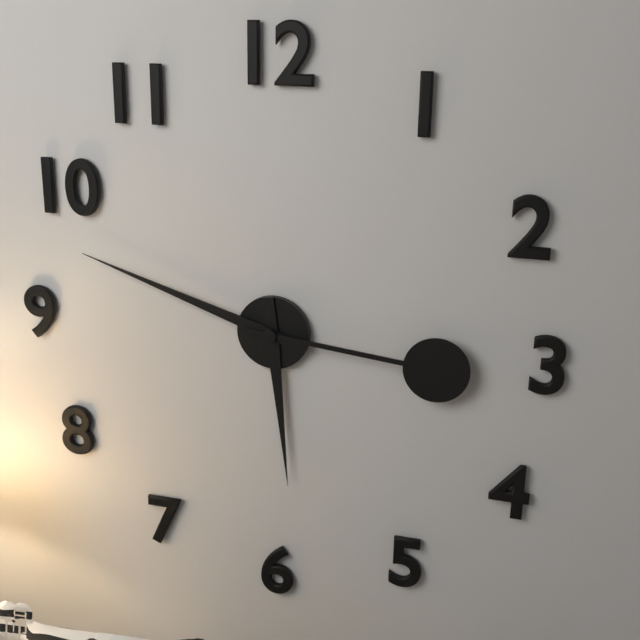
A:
5:48:16
